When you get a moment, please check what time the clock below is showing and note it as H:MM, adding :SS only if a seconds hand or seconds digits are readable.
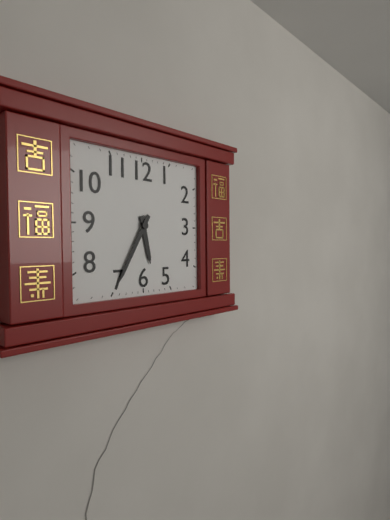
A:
5:35
